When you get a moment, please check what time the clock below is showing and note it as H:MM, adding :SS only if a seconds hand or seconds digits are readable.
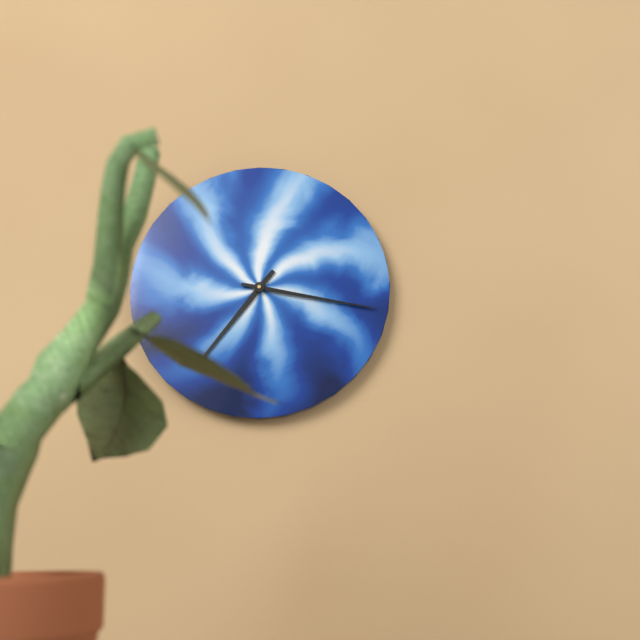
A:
7:17
